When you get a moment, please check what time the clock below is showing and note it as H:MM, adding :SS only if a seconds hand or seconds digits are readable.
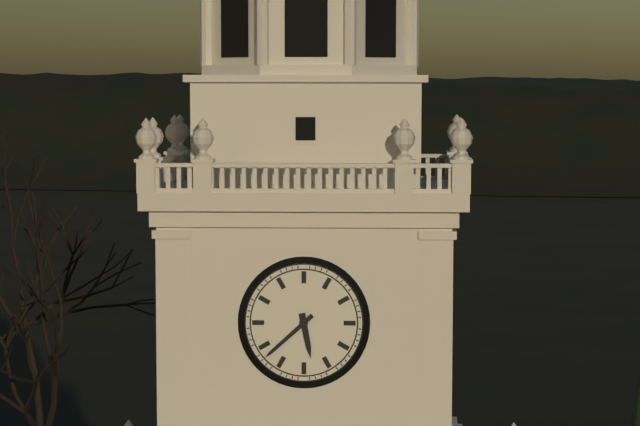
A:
5:38
